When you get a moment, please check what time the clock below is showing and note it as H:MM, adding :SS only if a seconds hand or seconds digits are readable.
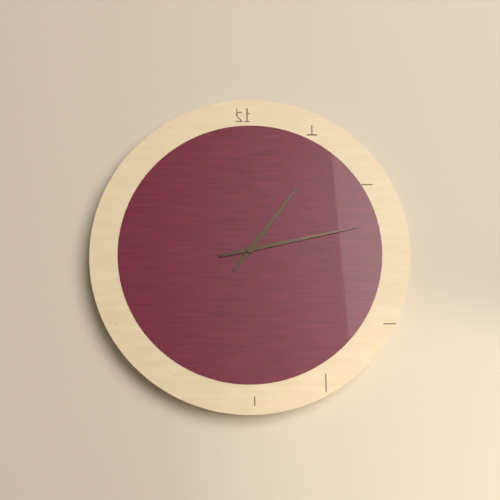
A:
1:13
